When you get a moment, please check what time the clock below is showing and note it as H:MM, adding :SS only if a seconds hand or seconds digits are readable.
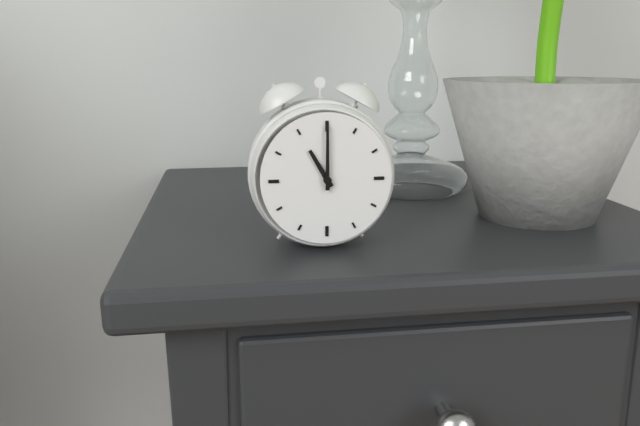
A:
11:00
